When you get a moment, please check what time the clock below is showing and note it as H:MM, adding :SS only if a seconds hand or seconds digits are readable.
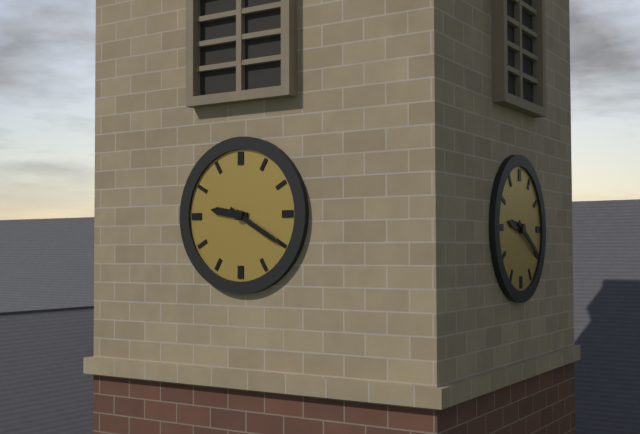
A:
9:20
